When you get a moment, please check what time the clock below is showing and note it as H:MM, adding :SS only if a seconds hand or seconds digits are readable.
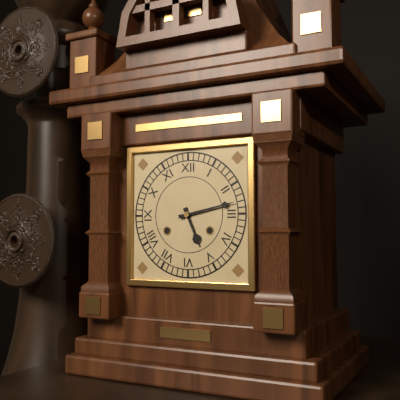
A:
5:13
